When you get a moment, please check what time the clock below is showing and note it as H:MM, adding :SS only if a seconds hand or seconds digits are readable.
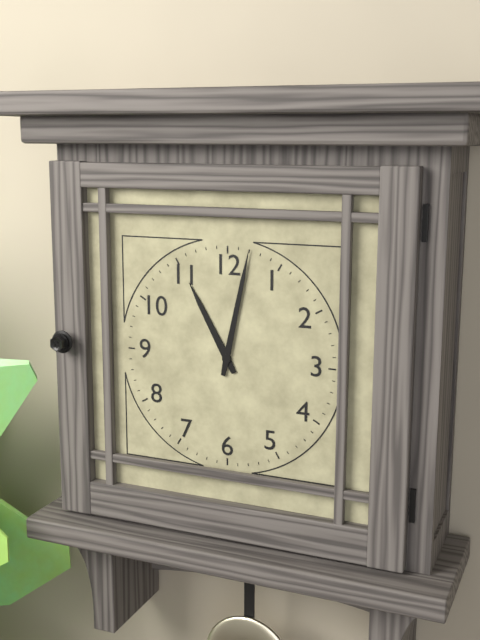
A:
11:02
